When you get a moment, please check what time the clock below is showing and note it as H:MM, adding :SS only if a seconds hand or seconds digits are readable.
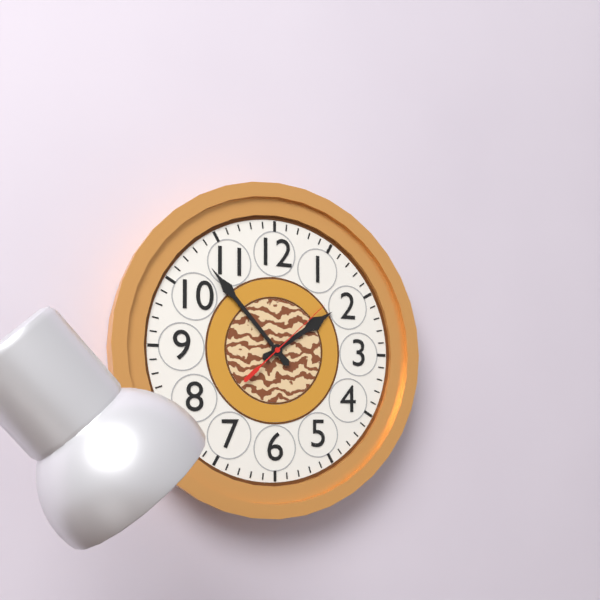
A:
1:53:08
